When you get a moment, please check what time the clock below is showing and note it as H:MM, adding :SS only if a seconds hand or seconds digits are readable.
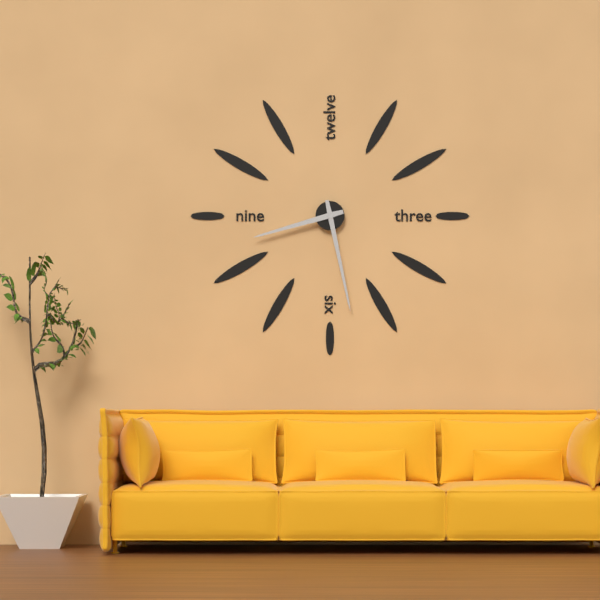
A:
8:28
